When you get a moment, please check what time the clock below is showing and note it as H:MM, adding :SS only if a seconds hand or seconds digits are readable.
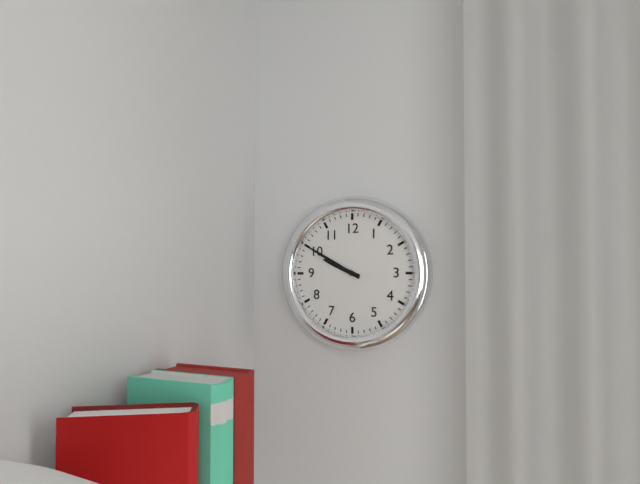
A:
9:50
